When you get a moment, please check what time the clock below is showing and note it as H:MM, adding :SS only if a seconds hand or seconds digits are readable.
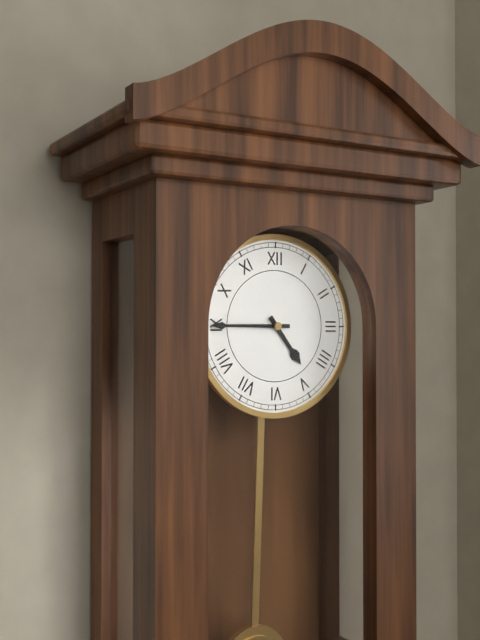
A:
4:45
